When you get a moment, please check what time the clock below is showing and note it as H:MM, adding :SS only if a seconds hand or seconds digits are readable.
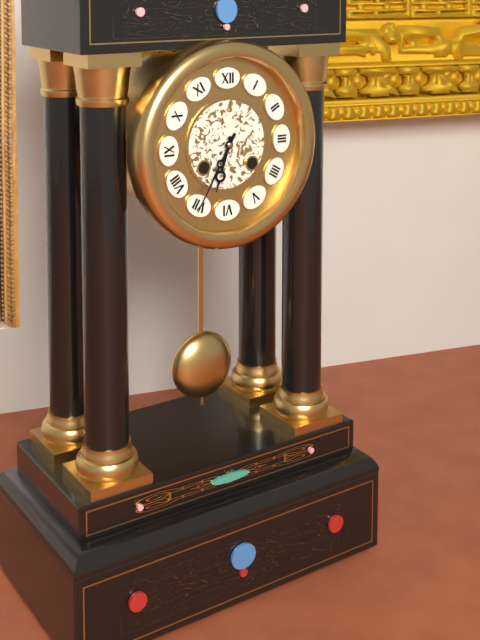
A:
6:35
